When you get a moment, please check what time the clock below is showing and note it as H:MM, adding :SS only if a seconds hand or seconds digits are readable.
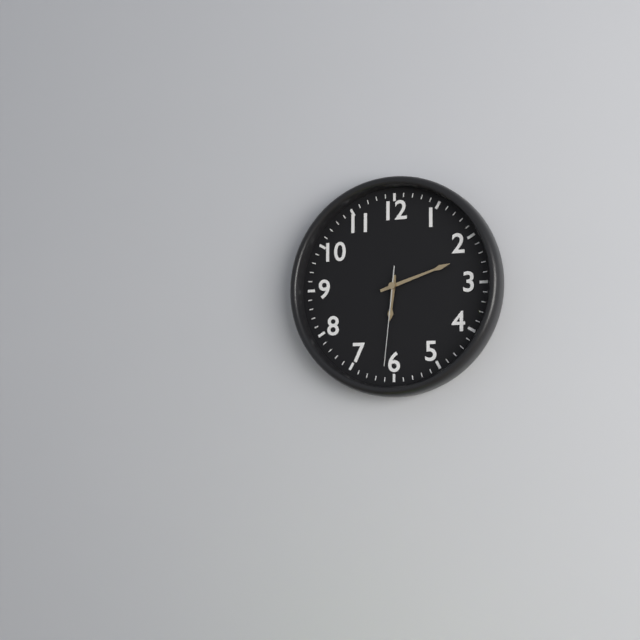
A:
6:12:31
